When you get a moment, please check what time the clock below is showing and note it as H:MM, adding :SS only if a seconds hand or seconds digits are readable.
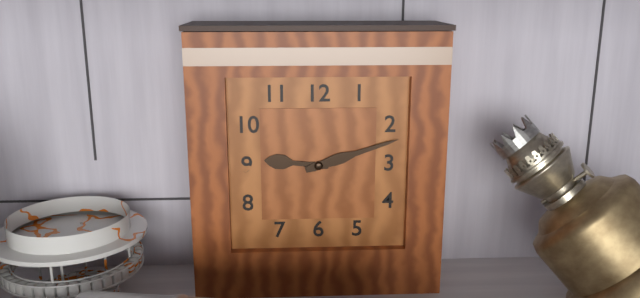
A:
9:12
